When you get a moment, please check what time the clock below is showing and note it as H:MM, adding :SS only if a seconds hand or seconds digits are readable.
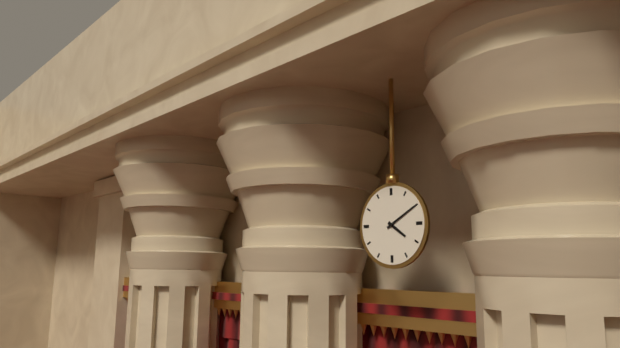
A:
4:10
